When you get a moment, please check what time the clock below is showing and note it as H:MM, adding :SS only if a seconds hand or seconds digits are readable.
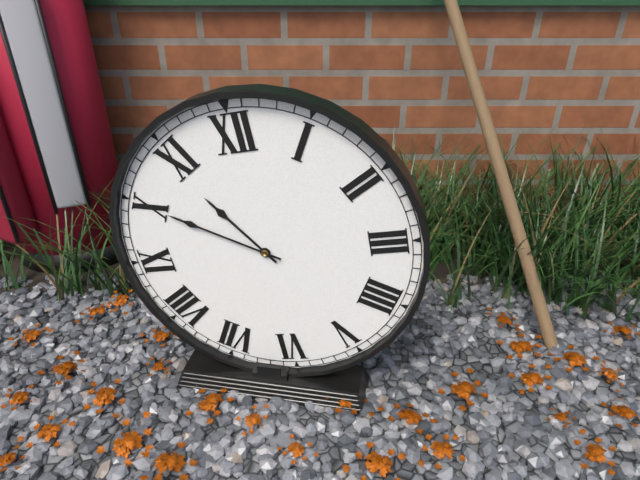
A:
10:50
